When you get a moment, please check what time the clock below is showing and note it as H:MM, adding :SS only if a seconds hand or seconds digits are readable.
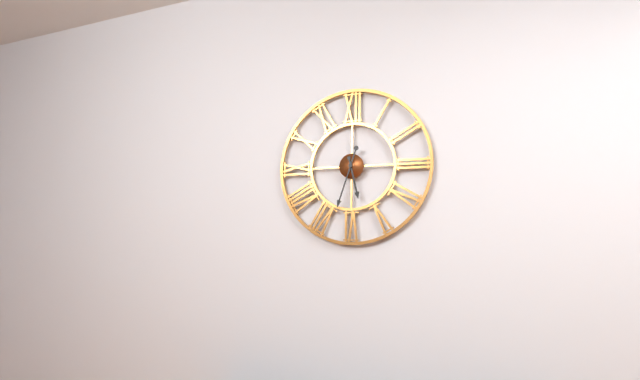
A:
5:33
